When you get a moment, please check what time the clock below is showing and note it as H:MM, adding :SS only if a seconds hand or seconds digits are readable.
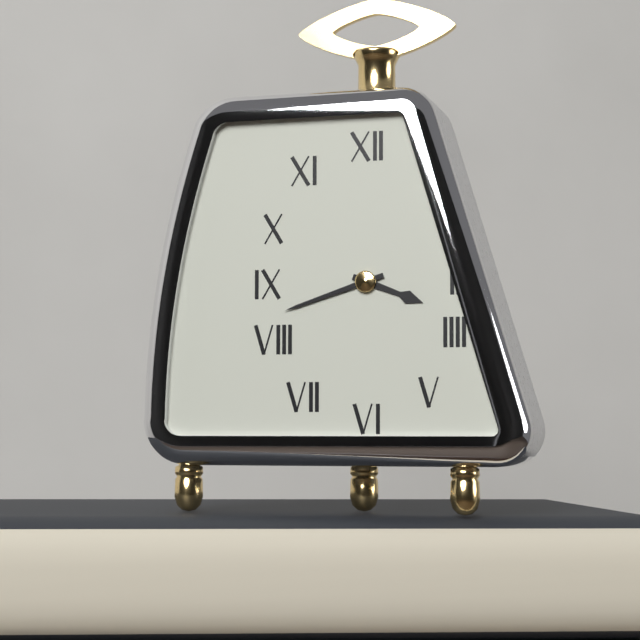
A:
3:42
